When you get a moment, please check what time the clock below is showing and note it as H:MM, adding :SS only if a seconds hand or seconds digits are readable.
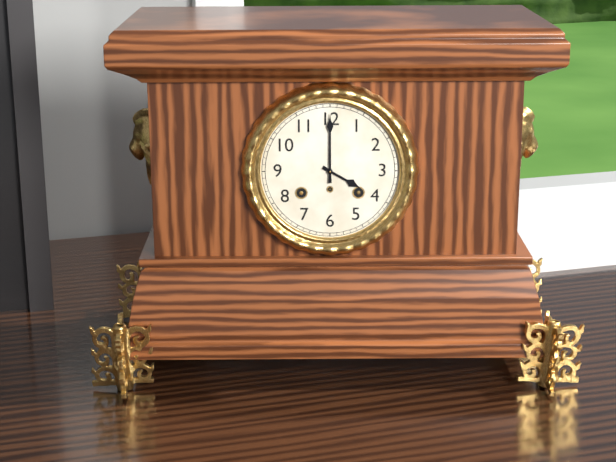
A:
4:00
